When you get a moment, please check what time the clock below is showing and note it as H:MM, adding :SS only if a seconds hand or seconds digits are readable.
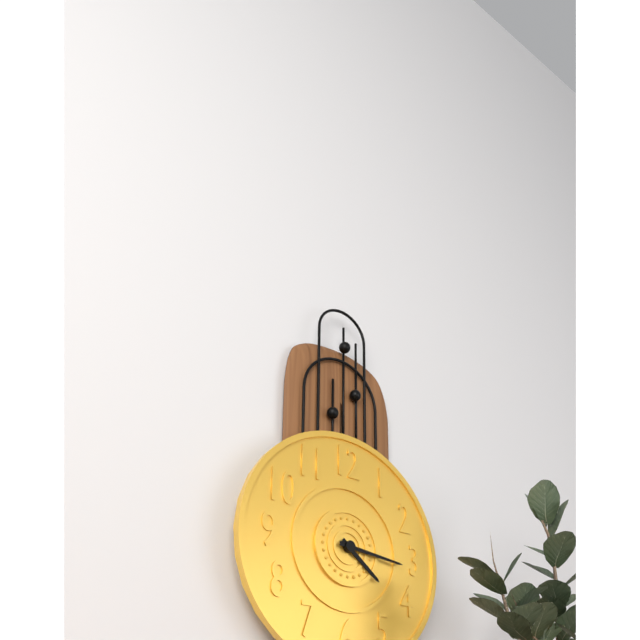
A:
4:16
